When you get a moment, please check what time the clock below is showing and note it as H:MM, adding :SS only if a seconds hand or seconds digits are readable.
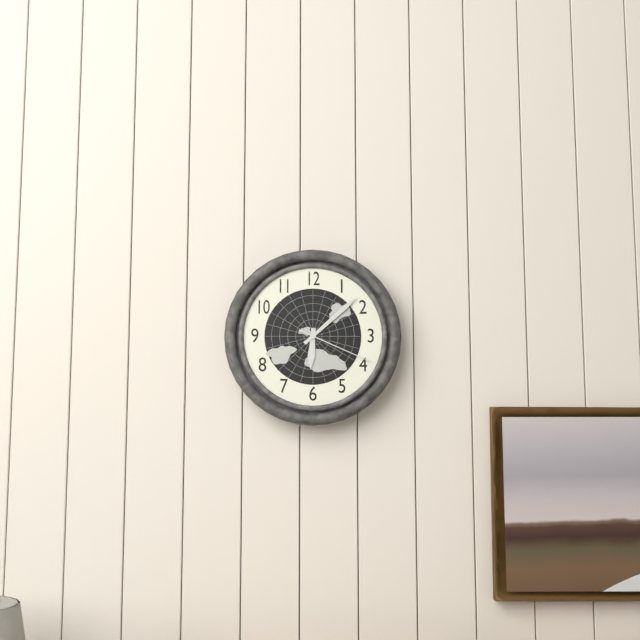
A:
6:08:19
